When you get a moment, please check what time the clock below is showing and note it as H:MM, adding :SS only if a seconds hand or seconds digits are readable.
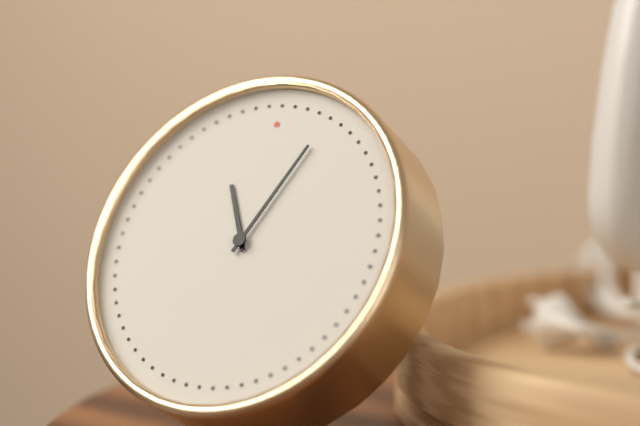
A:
11:04
